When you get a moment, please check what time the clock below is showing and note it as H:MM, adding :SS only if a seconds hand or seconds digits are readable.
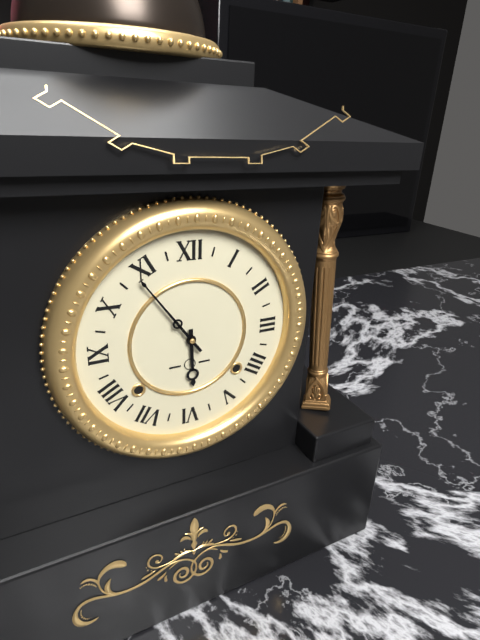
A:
5:54
